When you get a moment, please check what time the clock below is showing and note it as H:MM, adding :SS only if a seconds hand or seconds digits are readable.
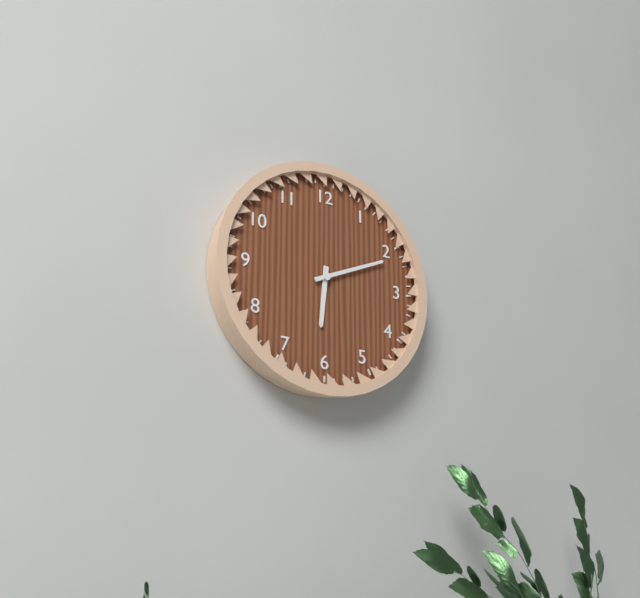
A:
6:11
